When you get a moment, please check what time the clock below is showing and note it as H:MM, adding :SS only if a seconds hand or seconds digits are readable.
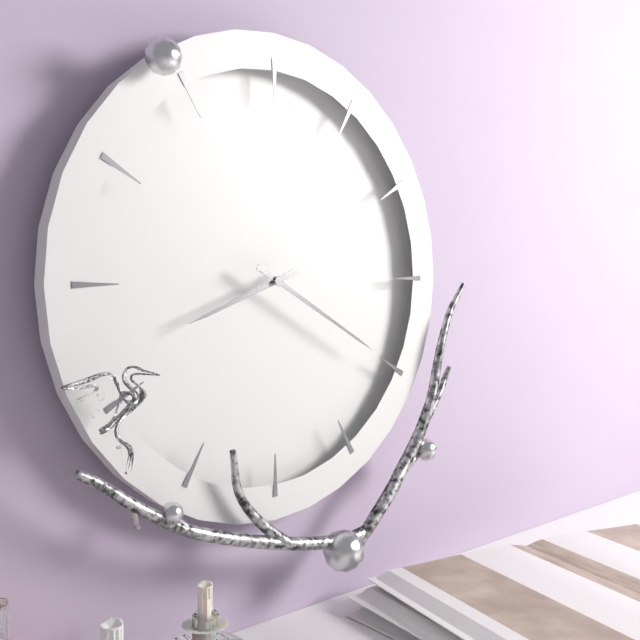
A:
8:20
